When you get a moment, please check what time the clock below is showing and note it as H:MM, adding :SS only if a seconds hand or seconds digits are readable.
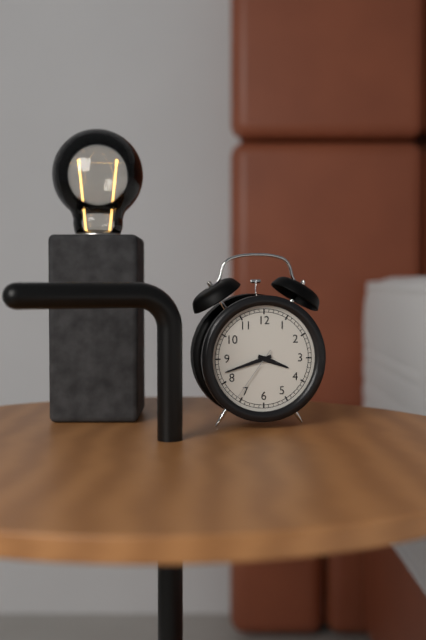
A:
3:42:36
